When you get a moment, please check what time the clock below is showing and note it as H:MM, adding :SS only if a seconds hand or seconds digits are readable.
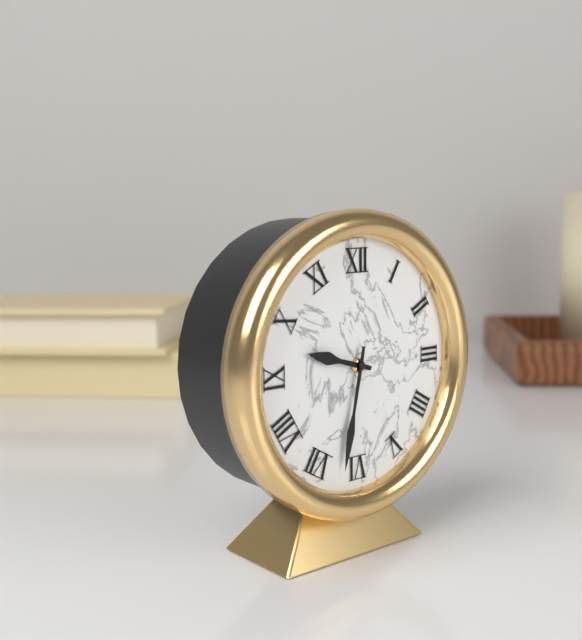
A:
9:32
